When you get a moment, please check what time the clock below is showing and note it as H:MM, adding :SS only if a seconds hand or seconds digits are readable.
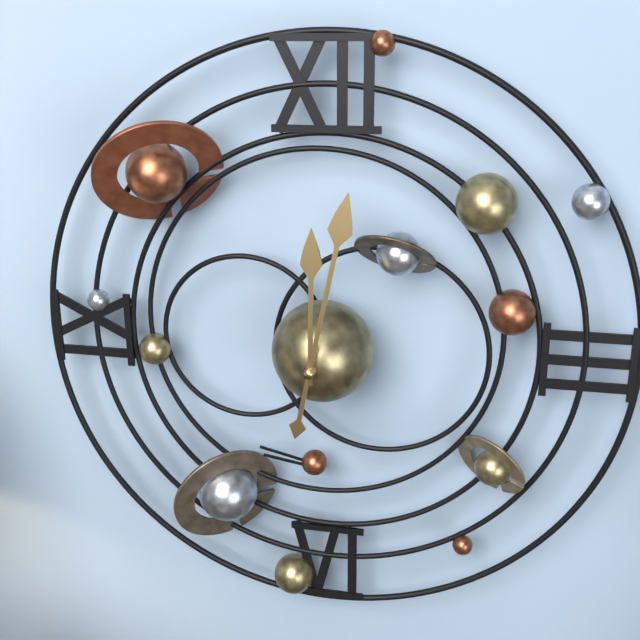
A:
12:02
